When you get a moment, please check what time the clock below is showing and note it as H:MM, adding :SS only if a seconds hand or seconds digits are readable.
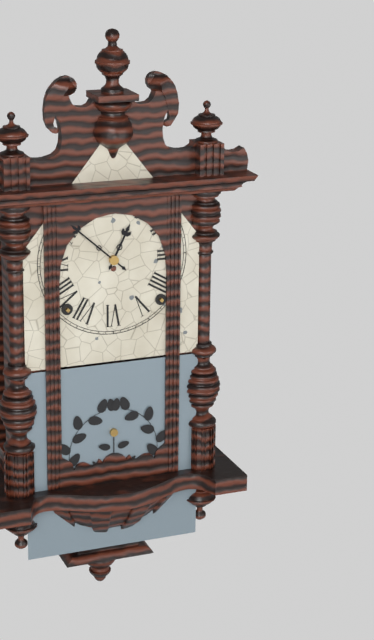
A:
12:52
